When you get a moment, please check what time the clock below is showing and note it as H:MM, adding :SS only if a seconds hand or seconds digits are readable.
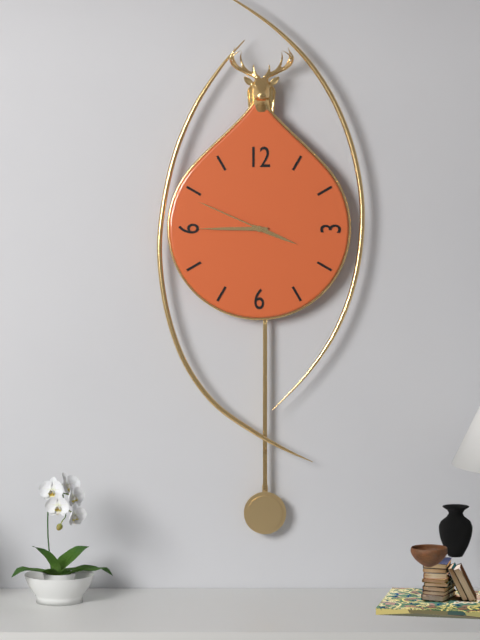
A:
3:45:49
